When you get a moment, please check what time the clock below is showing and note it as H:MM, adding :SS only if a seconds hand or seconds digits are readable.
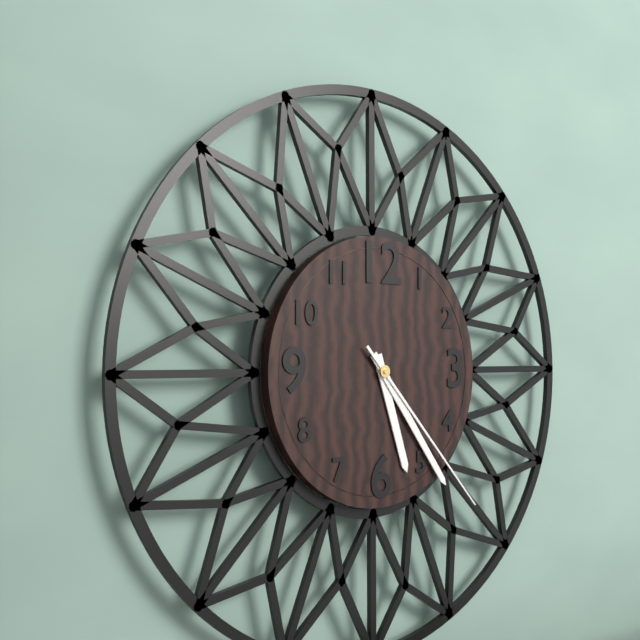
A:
5:24:23
